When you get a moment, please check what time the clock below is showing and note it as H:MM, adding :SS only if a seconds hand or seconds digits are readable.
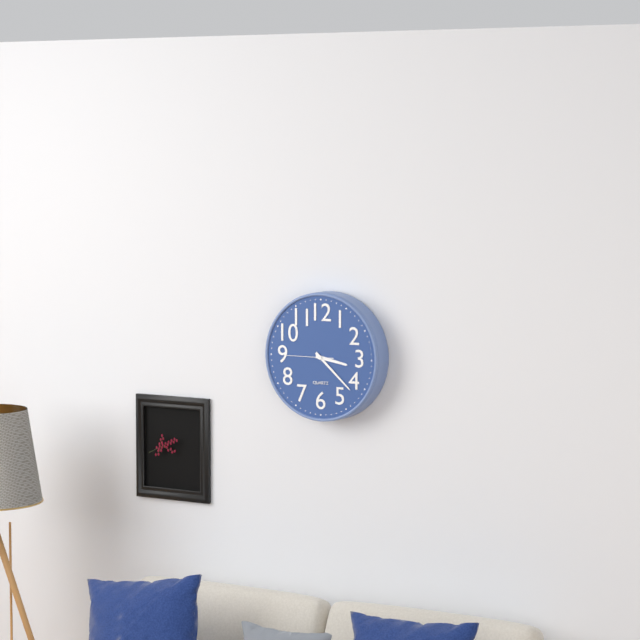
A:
3:22
